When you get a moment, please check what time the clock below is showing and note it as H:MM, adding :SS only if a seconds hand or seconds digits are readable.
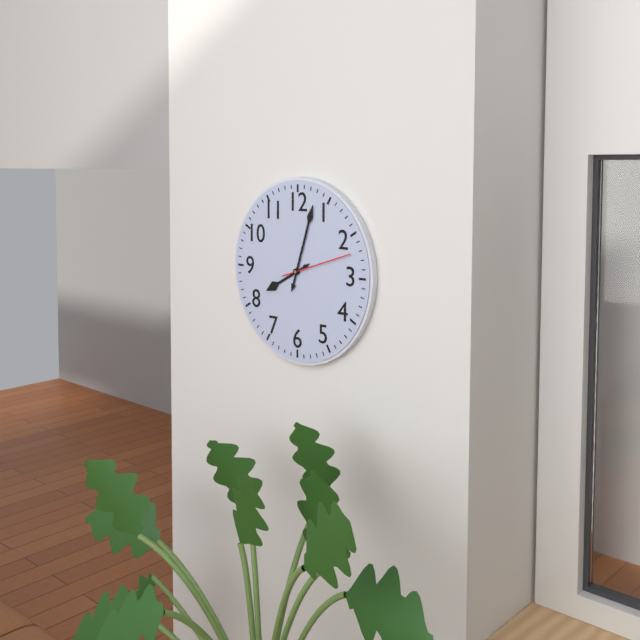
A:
8:03:12
